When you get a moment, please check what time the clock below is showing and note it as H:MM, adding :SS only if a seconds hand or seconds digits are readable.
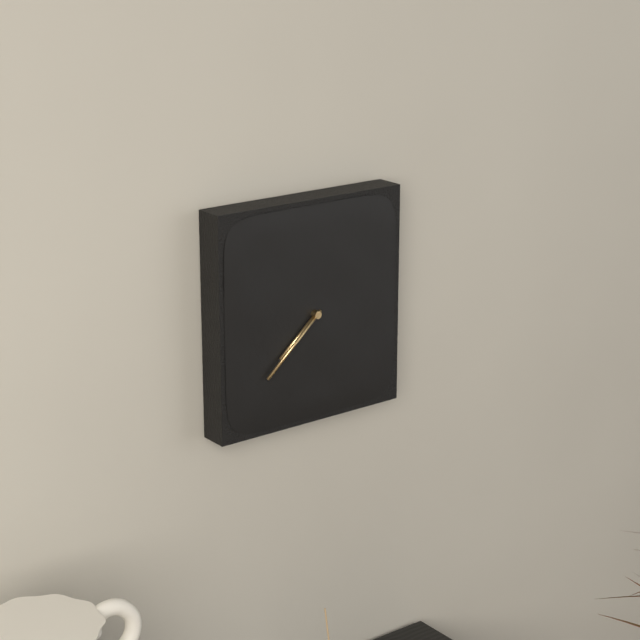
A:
7:38
